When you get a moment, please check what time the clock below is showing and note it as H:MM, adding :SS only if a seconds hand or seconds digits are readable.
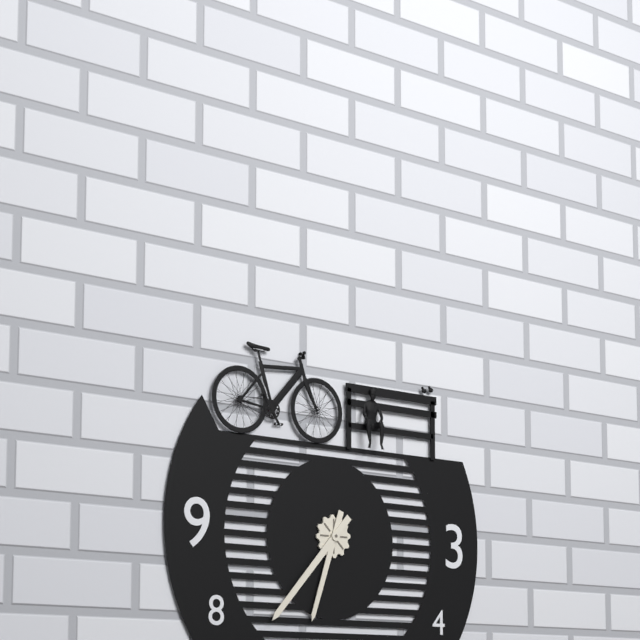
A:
6:37
